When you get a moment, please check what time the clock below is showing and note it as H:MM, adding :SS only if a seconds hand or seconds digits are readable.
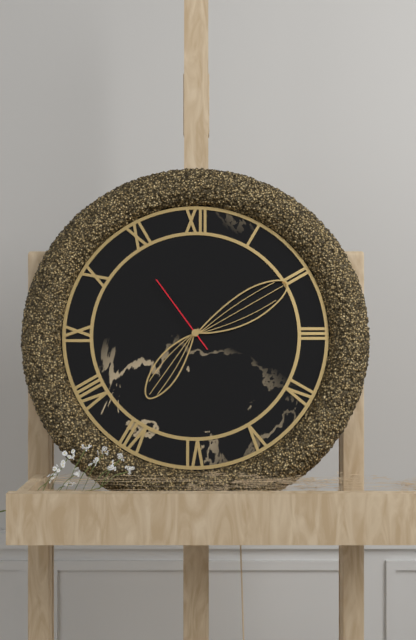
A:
7:10:54
